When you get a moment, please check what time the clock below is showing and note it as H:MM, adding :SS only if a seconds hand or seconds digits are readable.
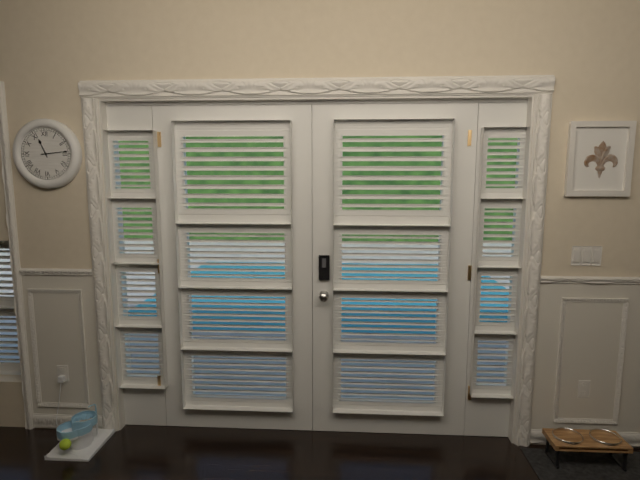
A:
11:14
